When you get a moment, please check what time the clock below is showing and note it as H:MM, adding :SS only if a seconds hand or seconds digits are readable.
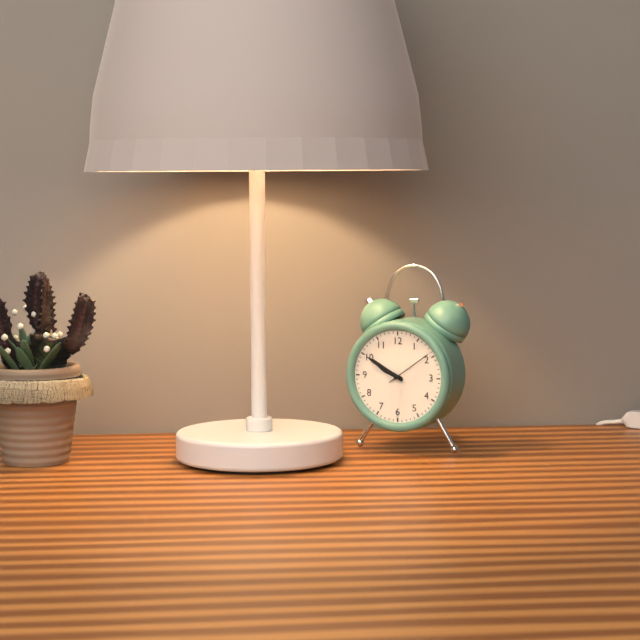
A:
9:50
